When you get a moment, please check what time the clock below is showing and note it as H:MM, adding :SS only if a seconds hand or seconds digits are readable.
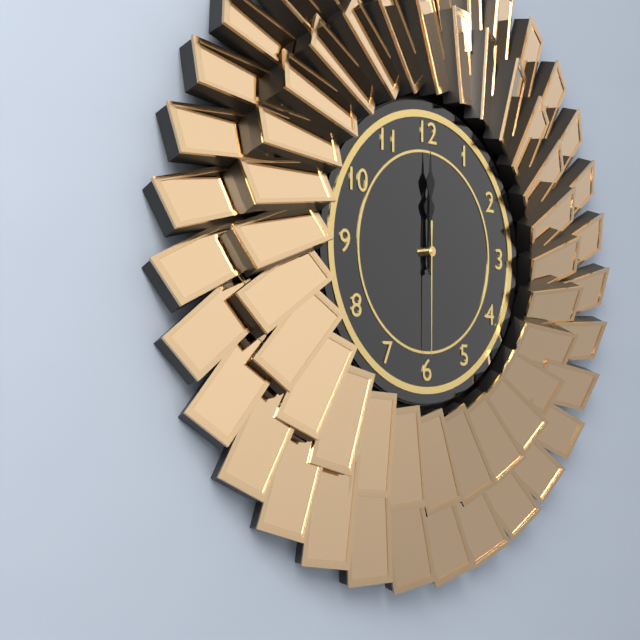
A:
12:00:30
